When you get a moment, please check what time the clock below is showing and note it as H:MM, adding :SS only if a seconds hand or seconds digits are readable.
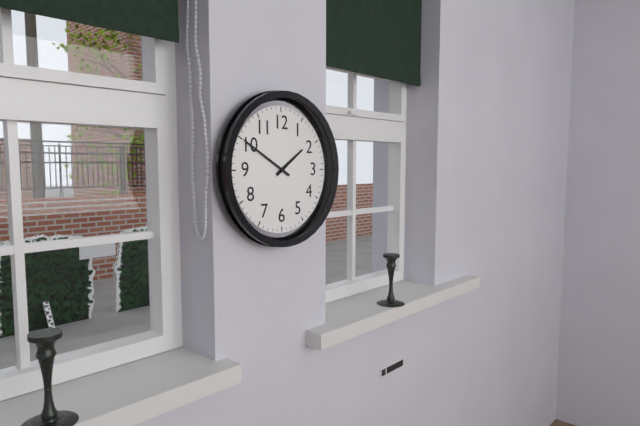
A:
1:50
